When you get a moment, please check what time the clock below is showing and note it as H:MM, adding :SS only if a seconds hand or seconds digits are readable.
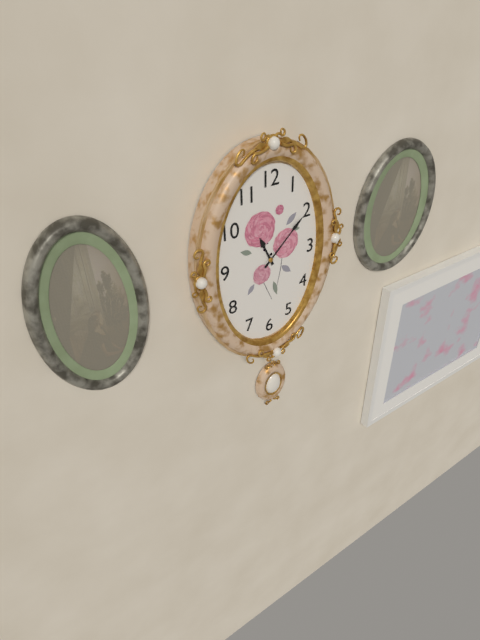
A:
11:08
